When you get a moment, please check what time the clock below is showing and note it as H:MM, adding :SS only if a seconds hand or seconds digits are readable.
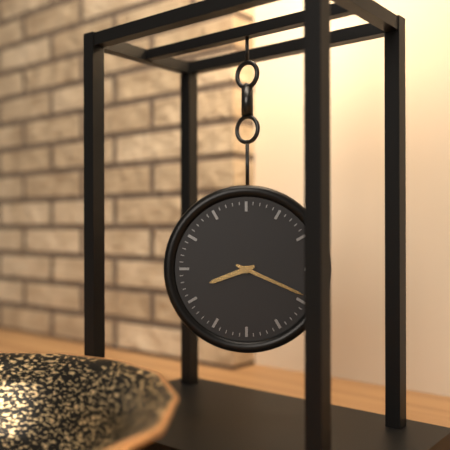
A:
8:19
